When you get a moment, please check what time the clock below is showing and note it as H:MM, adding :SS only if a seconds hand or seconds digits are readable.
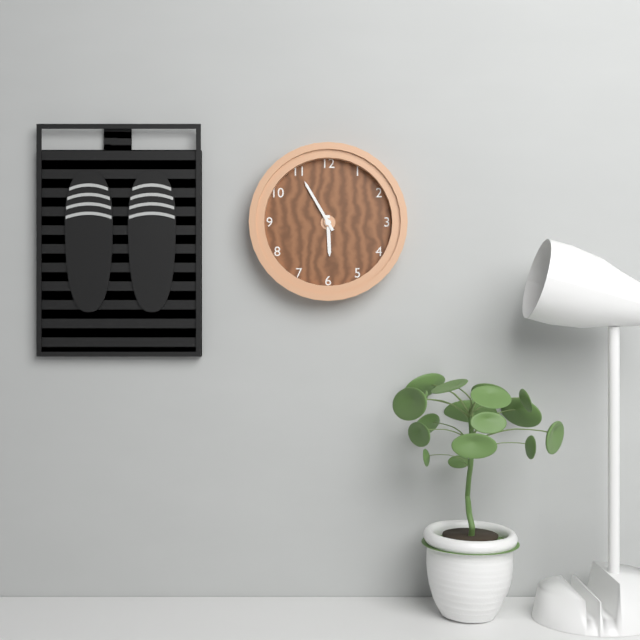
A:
5:55
